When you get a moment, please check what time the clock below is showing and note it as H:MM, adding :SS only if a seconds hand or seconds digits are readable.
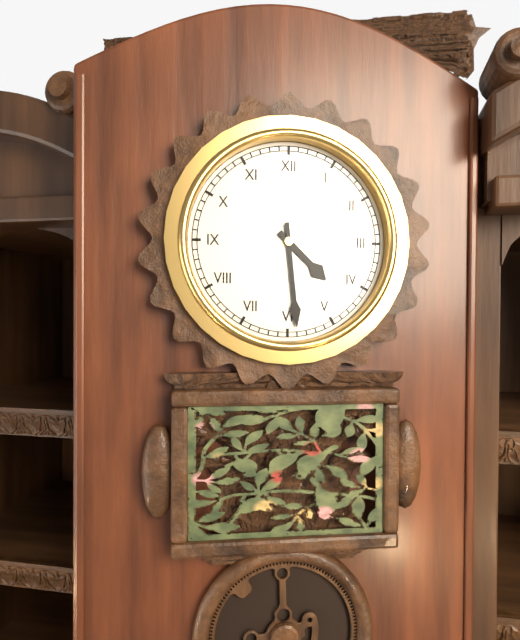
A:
4:29
